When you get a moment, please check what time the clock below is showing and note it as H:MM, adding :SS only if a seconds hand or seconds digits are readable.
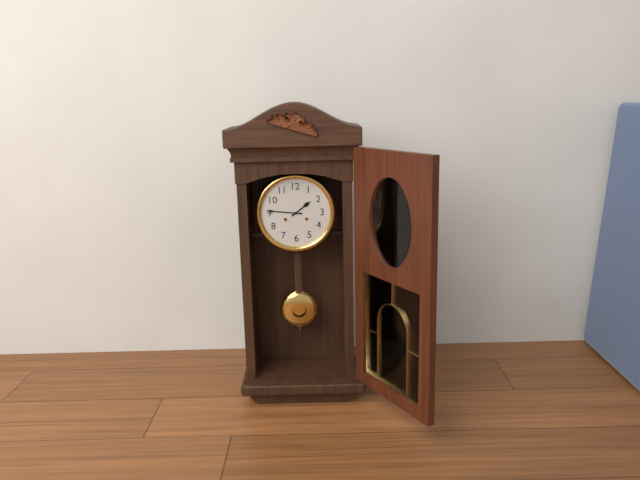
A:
1:46
